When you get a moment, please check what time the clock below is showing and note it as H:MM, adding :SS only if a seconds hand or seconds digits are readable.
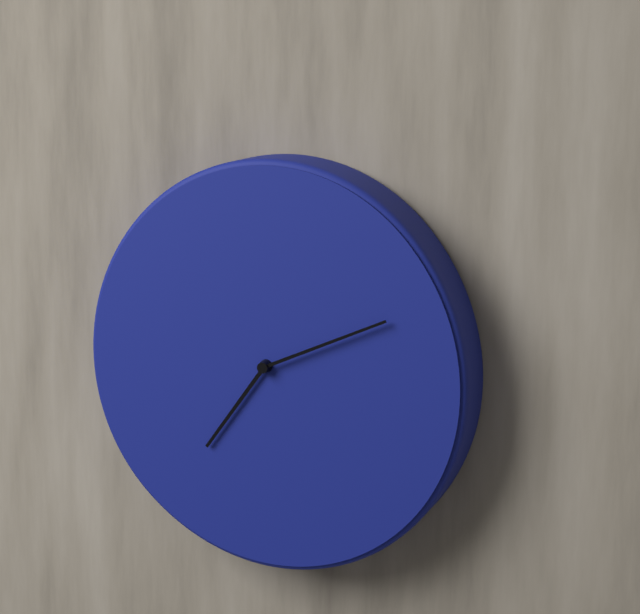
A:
7:11
